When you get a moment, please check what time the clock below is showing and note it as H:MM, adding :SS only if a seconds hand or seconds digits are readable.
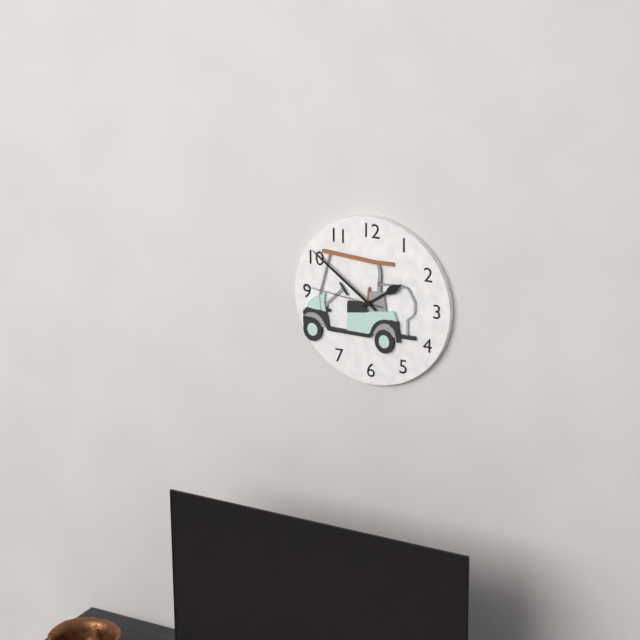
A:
1:51:46
